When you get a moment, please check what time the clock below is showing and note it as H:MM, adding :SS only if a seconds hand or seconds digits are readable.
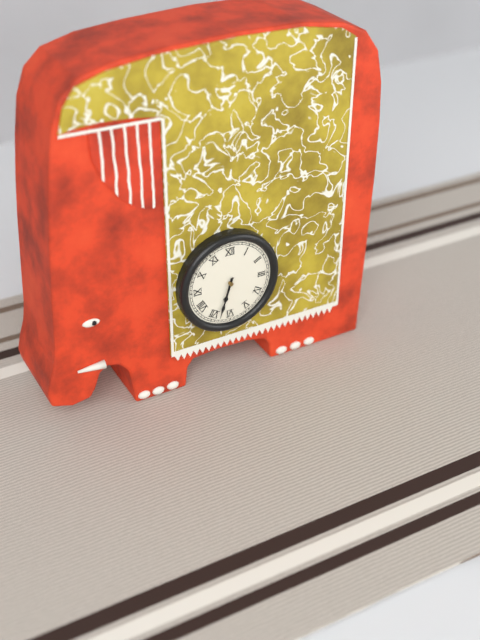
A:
6:33
